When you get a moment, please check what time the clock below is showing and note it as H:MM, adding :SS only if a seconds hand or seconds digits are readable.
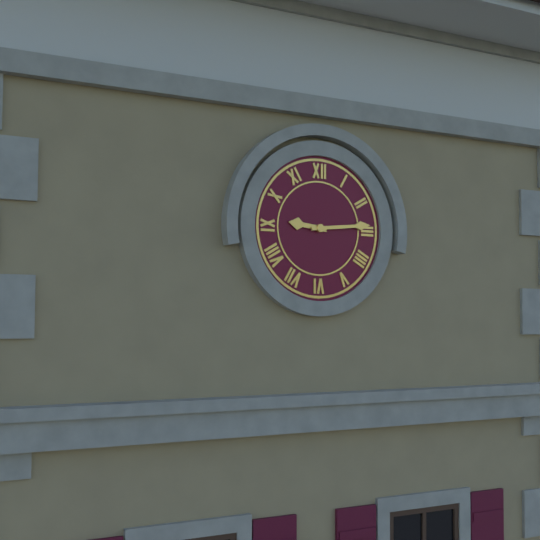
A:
9:14
